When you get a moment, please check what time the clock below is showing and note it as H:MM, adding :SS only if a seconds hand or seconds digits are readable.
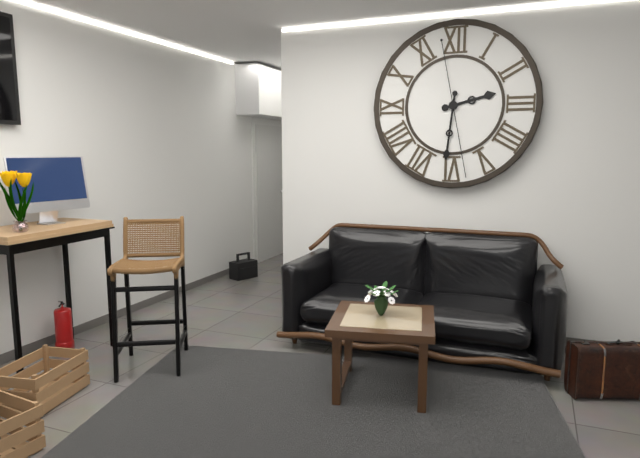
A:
2:31:28
